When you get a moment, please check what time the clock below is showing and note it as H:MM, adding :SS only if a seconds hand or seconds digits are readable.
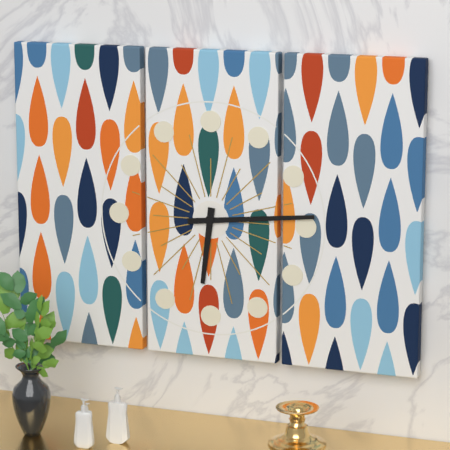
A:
6:14
